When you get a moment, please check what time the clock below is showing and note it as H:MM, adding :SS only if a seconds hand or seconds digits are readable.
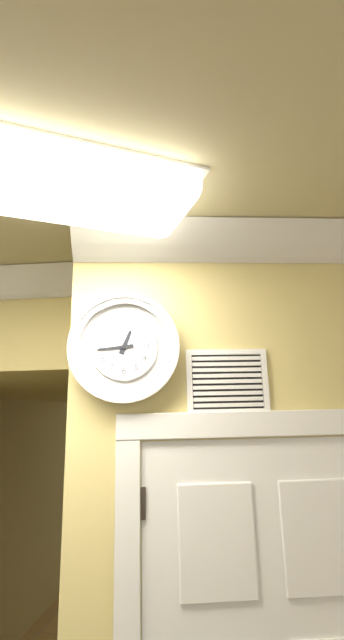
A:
12:44
